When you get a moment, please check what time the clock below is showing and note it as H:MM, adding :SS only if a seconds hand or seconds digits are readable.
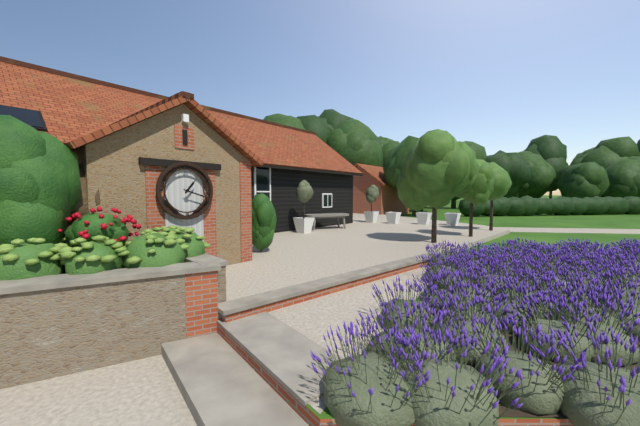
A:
1:18
